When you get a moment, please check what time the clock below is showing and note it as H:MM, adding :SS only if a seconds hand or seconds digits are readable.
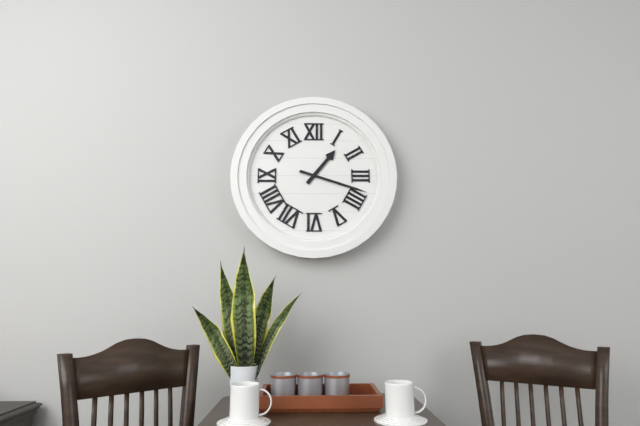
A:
1:18
